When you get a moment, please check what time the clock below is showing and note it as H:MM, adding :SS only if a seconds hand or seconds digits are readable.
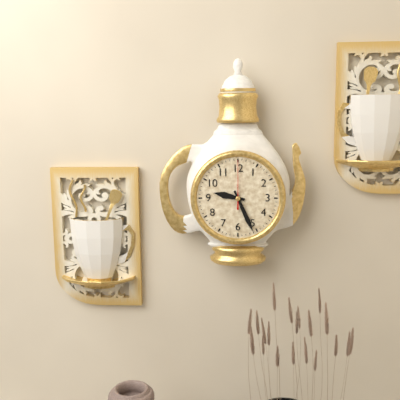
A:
9:26
